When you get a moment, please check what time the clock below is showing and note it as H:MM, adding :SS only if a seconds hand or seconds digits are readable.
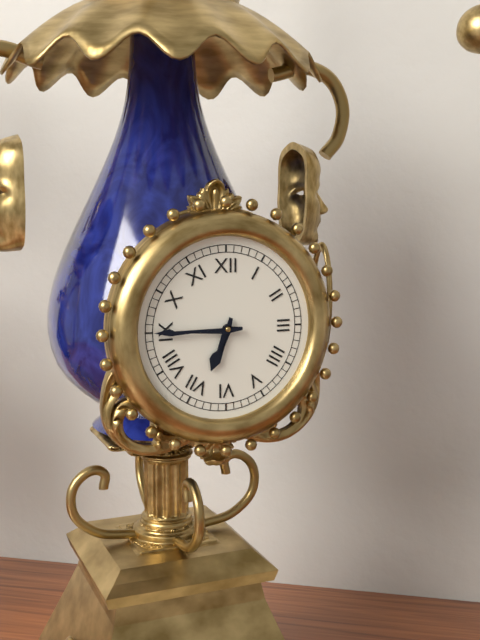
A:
6:45
